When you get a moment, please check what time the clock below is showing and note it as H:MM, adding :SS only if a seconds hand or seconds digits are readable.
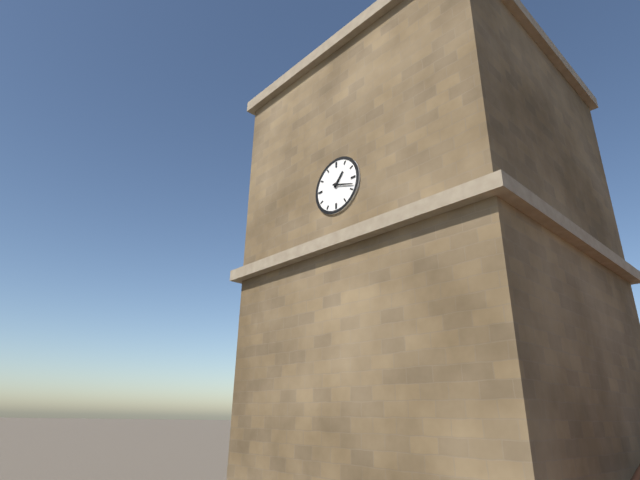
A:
1:18
